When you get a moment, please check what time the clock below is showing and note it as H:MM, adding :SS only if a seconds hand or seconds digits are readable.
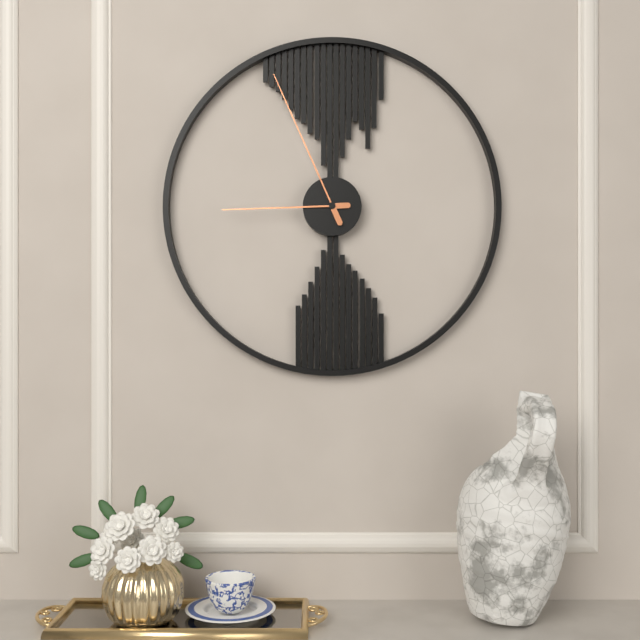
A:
8:56
